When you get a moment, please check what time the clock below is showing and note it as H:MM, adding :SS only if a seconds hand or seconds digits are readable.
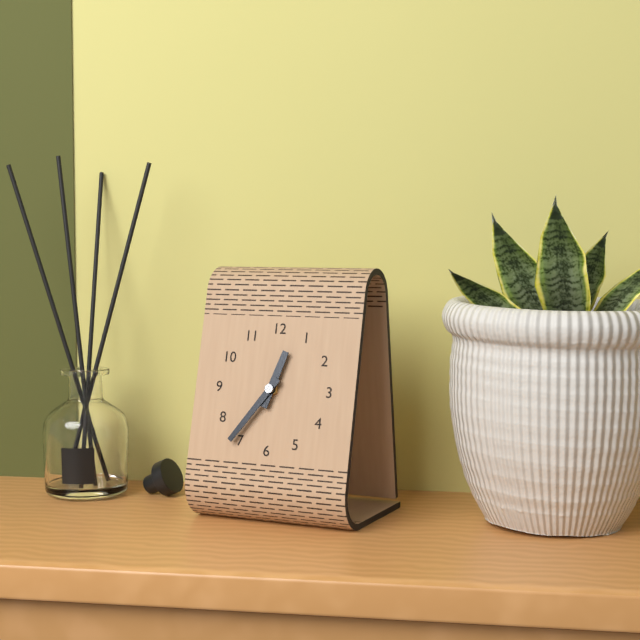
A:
12:36
